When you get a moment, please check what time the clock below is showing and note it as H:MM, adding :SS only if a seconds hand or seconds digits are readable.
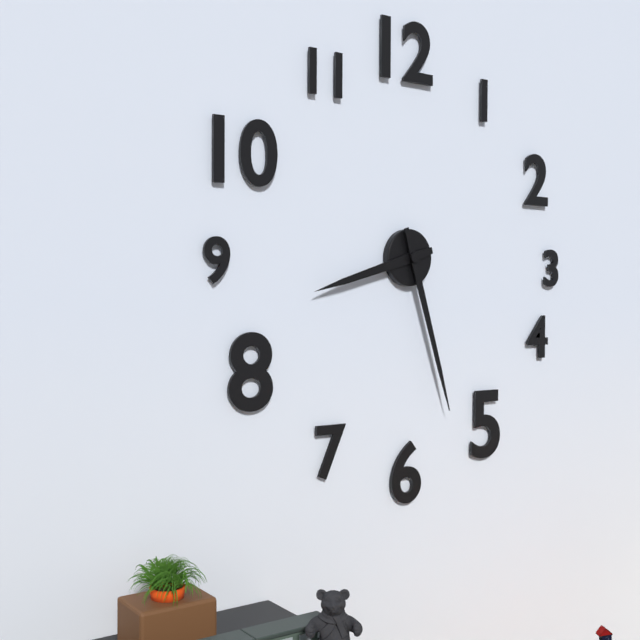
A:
8:27
